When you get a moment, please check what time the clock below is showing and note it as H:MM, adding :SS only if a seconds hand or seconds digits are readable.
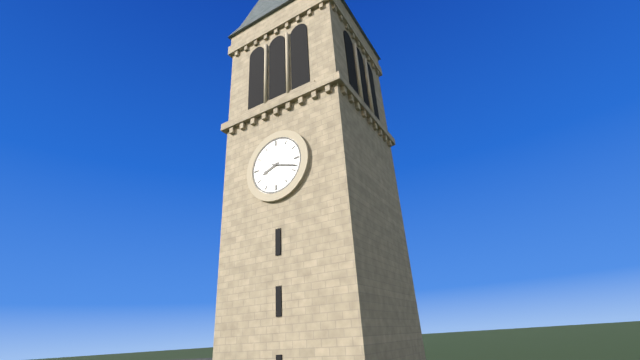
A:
8:18
